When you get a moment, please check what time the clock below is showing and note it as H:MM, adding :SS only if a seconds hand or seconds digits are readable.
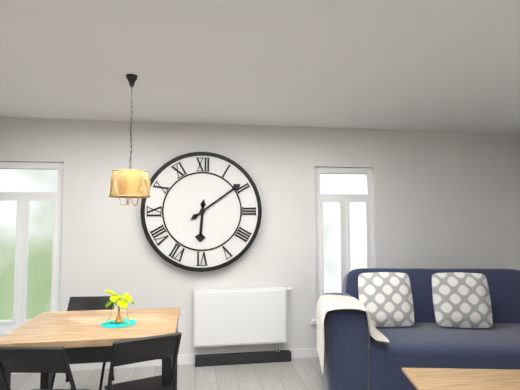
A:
6:09
